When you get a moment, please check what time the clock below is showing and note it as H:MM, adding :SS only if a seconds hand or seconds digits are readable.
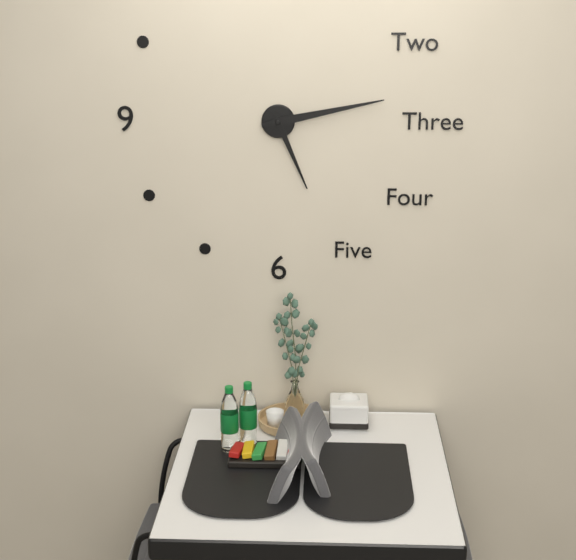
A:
5:13
